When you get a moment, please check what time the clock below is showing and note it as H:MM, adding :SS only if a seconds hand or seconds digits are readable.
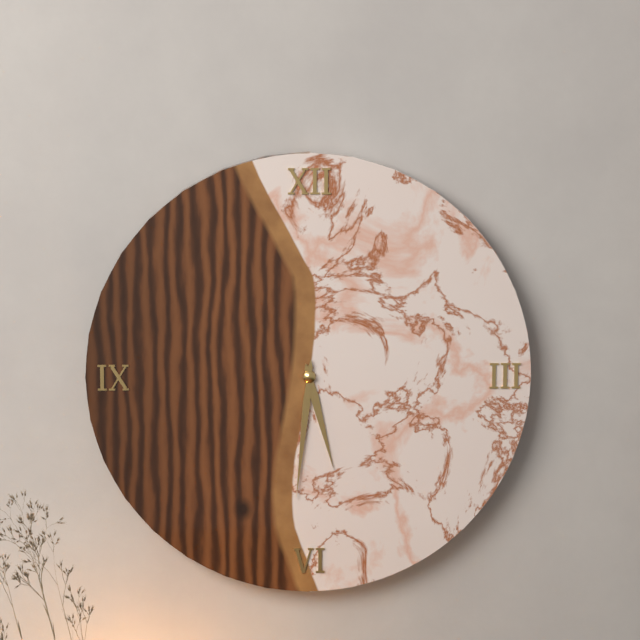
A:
5:31
